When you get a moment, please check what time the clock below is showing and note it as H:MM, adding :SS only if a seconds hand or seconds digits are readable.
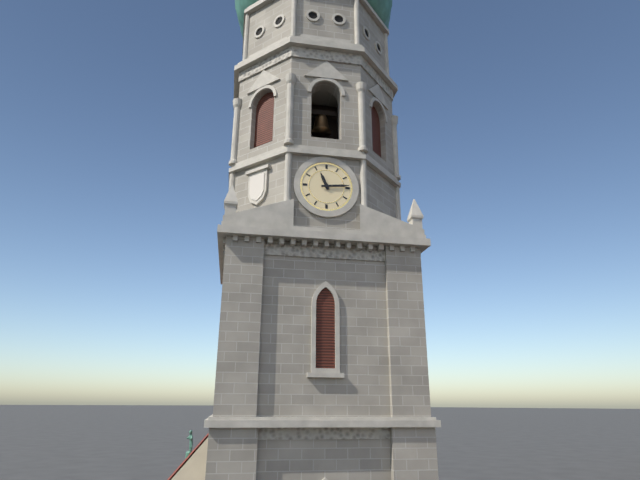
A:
11:14
